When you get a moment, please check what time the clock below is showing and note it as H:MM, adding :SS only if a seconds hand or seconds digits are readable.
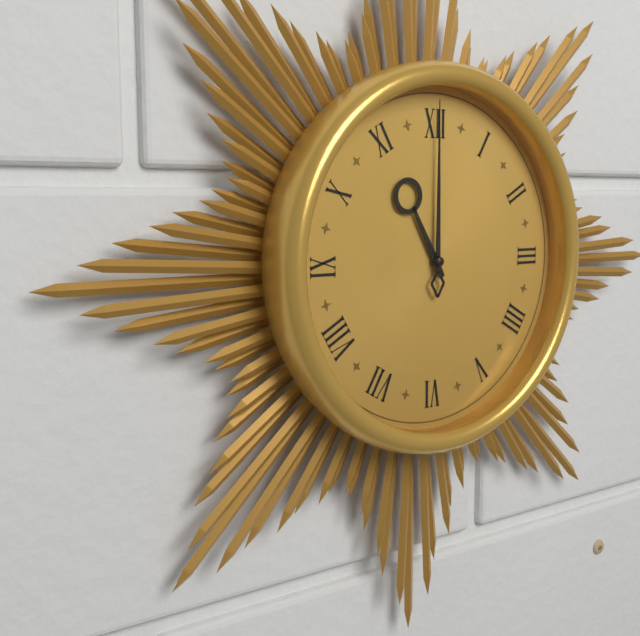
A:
11:00
